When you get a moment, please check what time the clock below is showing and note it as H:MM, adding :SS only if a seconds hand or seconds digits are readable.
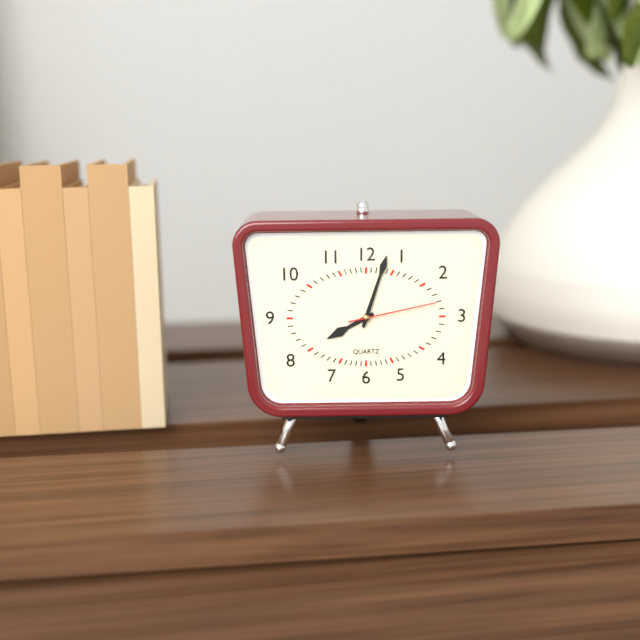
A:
8:03:13
